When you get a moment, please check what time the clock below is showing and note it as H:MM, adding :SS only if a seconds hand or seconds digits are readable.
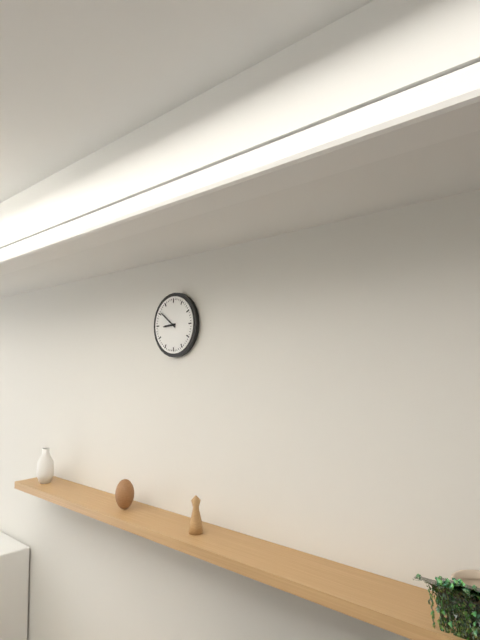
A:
8:51
